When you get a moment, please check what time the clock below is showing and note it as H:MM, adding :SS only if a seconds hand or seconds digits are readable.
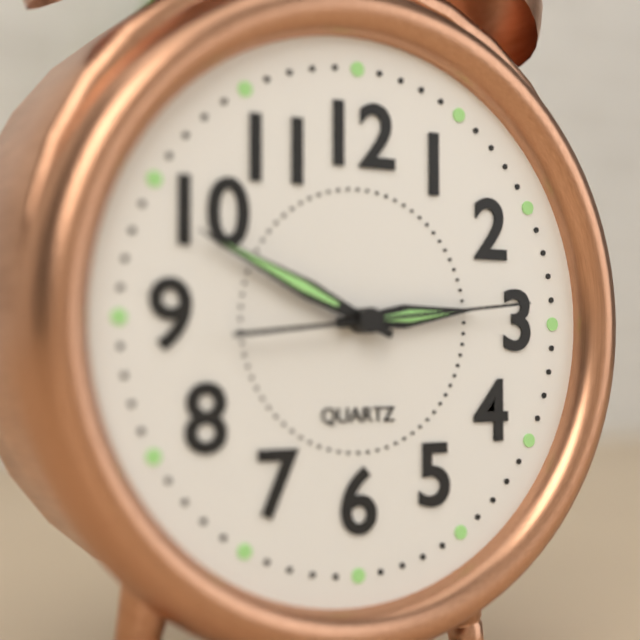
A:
2:49:14
